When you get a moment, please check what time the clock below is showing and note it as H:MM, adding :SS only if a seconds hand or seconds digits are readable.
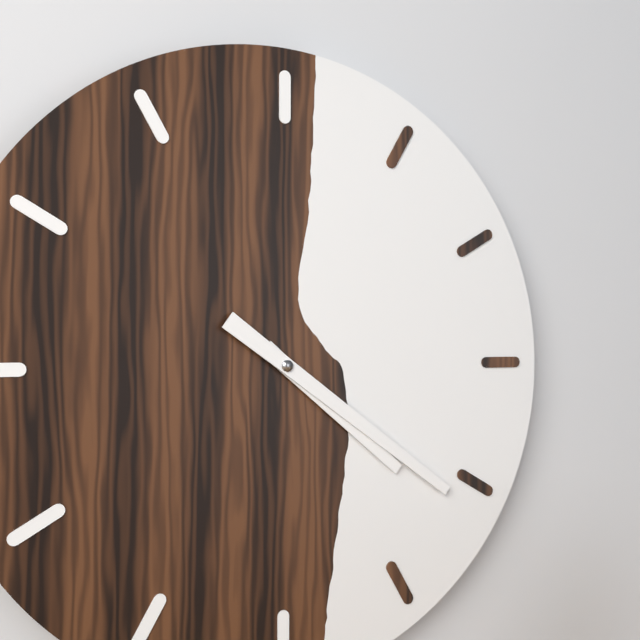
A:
4:21
